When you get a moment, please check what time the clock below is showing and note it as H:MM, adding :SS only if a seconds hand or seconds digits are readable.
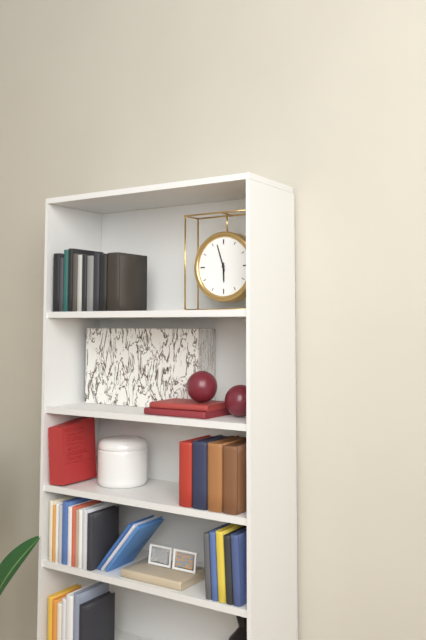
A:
5:57
